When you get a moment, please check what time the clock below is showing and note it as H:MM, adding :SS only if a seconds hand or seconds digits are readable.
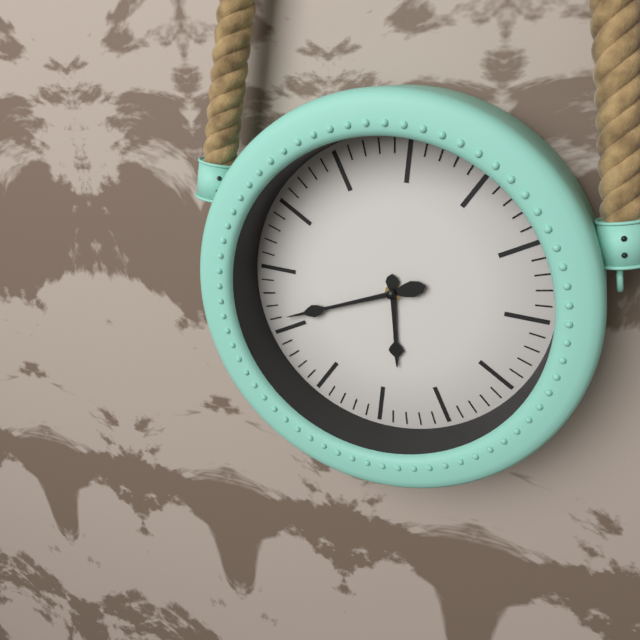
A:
5:41
